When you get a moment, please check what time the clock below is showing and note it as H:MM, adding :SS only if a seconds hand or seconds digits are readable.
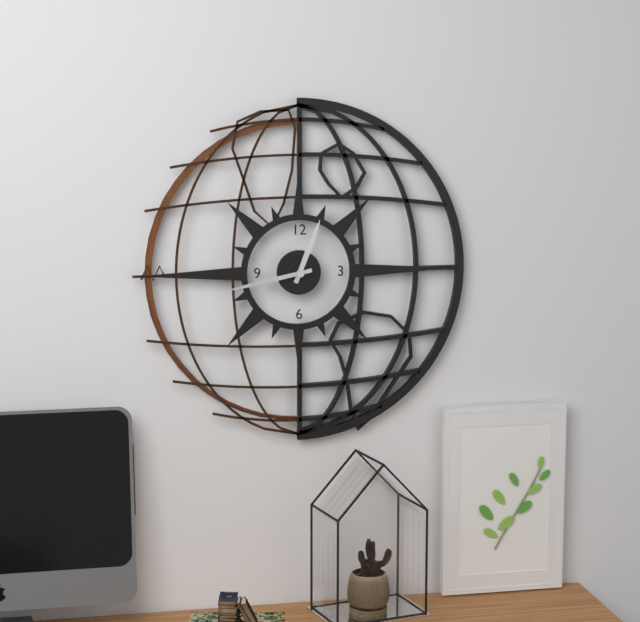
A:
12:43
